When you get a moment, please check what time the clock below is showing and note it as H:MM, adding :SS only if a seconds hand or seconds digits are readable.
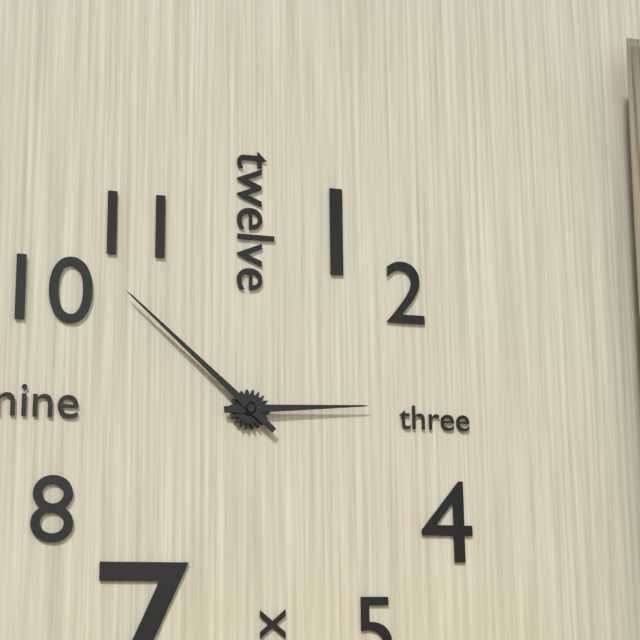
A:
2:52
